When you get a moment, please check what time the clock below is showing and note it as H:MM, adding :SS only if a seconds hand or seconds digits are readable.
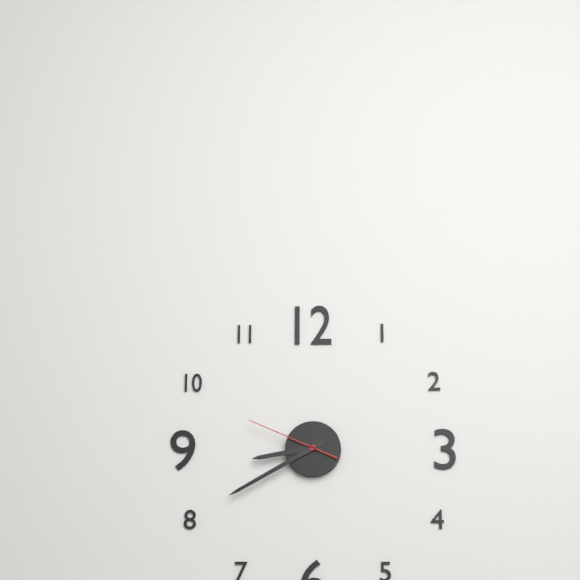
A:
8:40:49
